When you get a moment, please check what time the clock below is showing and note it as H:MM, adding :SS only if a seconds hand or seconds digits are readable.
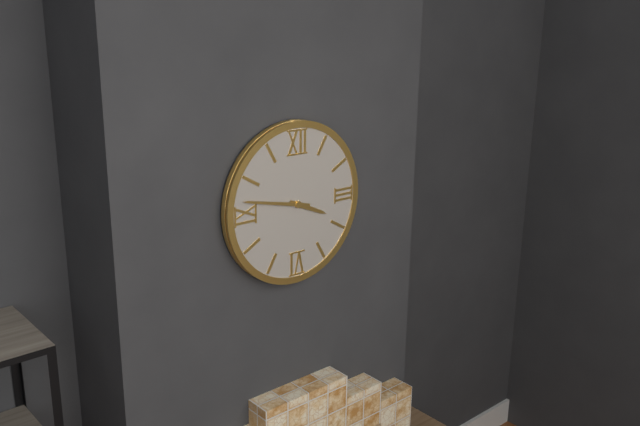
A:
3:47
